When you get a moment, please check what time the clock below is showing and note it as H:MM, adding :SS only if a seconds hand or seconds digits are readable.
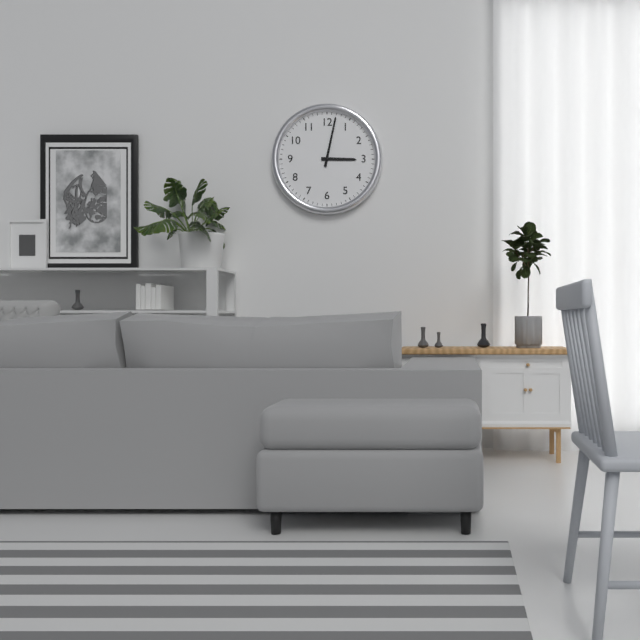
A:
3:02
